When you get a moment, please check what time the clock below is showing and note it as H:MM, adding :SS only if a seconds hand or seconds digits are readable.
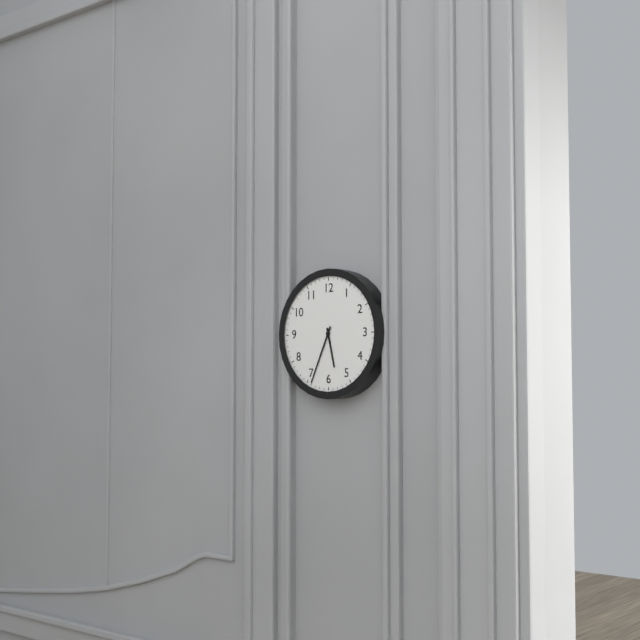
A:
5:34
